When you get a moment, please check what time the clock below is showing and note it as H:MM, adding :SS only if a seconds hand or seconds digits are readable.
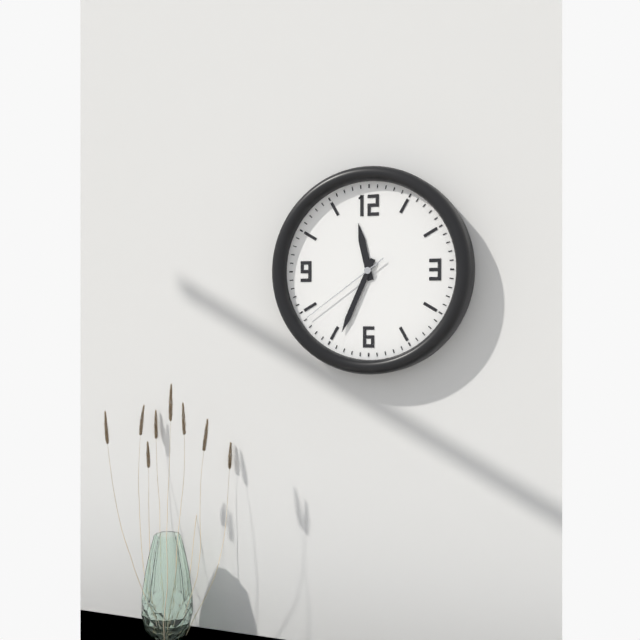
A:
11:34:39
